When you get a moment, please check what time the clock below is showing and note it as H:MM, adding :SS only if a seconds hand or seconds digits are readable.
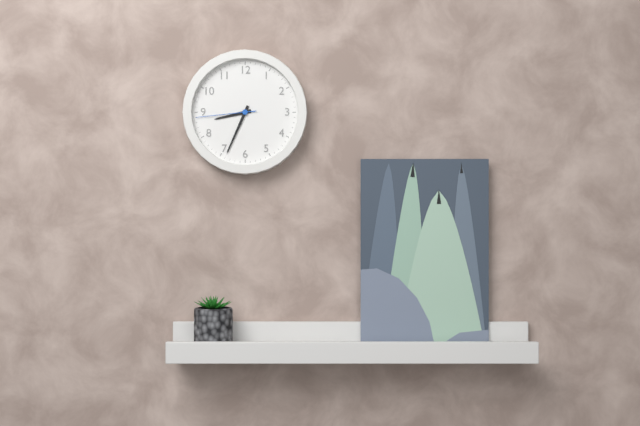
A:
8:34:44
